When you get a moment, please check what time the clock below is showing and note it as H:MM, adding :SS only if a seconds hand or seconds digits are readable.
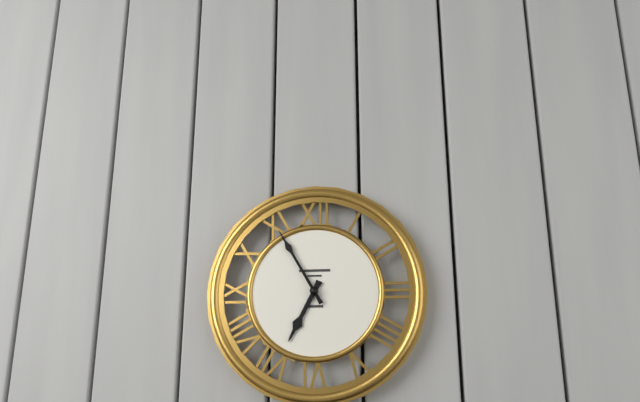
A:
6:55
